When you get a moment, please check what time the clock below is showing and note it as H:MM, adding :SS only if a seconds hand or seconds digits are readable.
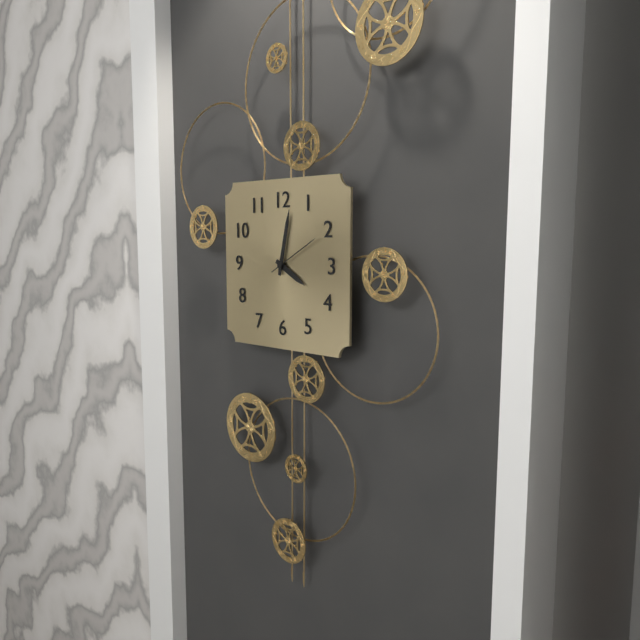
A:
4:02:10
